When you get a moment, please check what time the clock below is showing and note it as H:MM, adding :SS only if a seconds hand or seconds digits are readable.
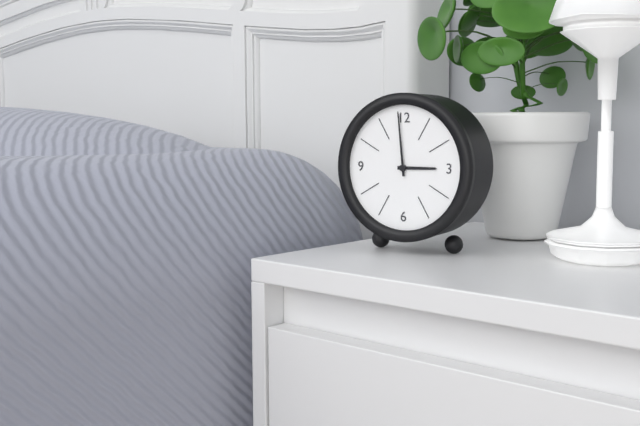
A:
2:59
